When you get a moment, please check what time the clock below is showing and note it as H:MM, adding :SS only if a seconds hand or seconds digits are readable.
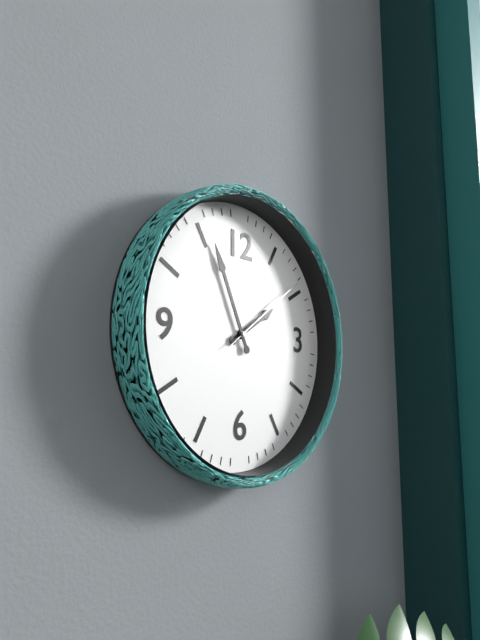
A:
1:56:09
